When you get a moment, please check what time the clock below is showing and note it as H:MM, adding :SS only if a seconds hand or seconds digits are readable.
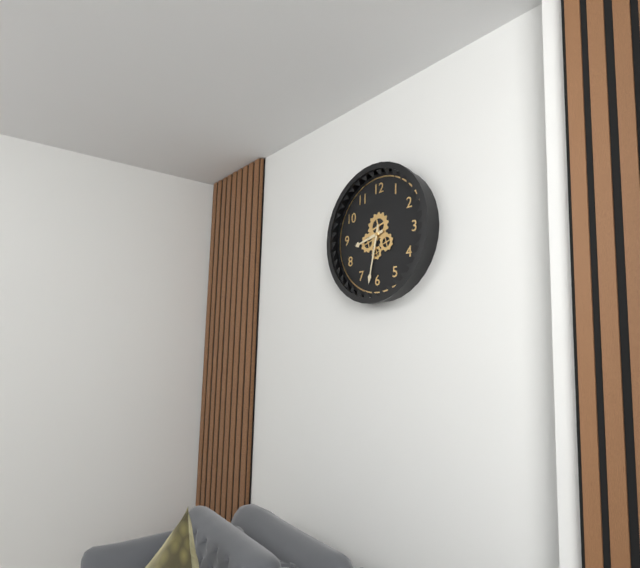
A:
8:32
